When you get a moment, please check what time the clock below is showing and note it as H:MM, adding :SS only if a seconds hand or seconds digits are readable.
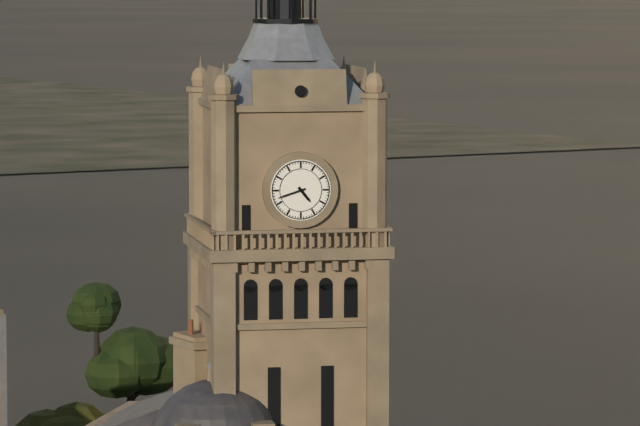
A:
4:42
